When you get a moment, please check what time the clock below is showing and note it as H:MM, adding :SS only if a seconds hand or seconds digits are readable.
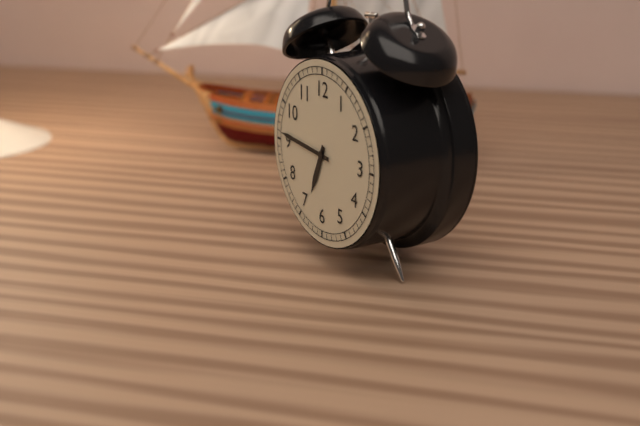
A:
6:46
